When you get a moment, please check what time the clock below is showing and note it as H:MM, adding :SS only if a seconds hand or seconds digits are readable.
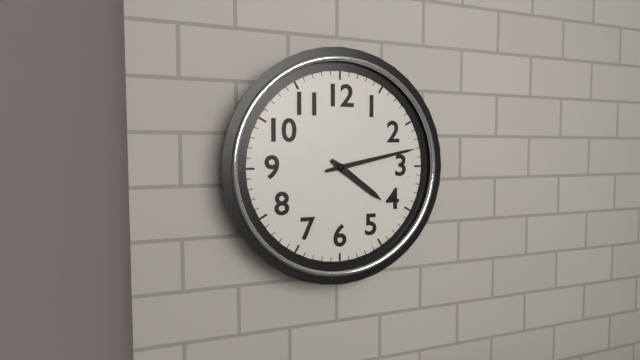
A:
4:13
